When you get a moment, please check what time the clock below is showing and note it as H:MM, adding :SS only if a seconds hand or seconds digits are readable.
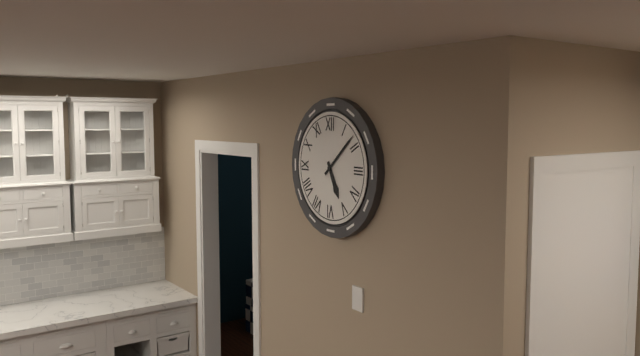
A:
5:08
